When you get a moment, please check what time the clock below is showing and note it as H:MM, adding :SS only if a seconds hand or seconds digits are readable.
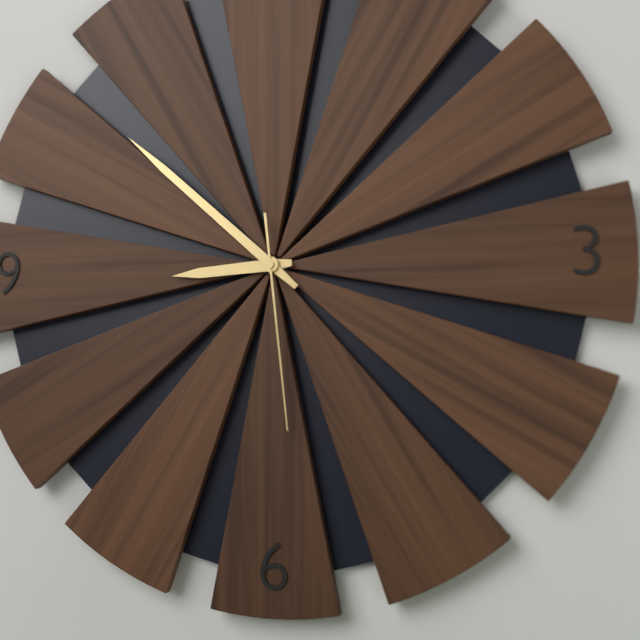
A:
8:52:29
